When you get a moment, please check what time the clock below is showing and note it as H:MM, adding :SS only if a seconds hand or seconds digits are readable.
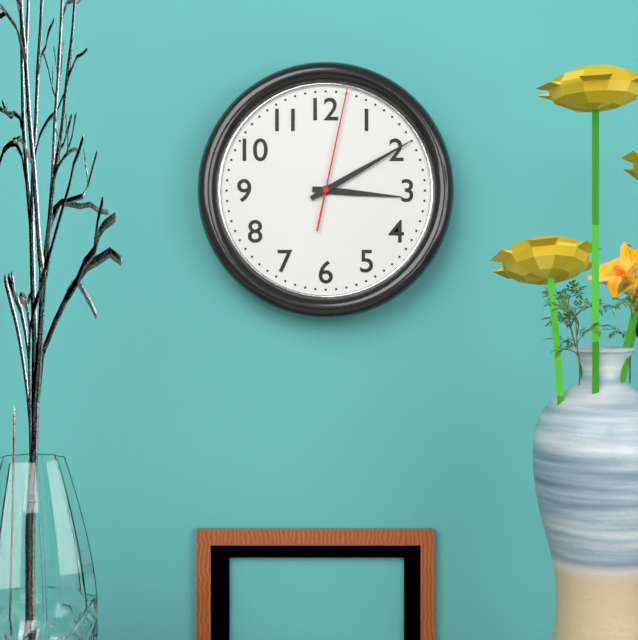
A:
3:10:02
